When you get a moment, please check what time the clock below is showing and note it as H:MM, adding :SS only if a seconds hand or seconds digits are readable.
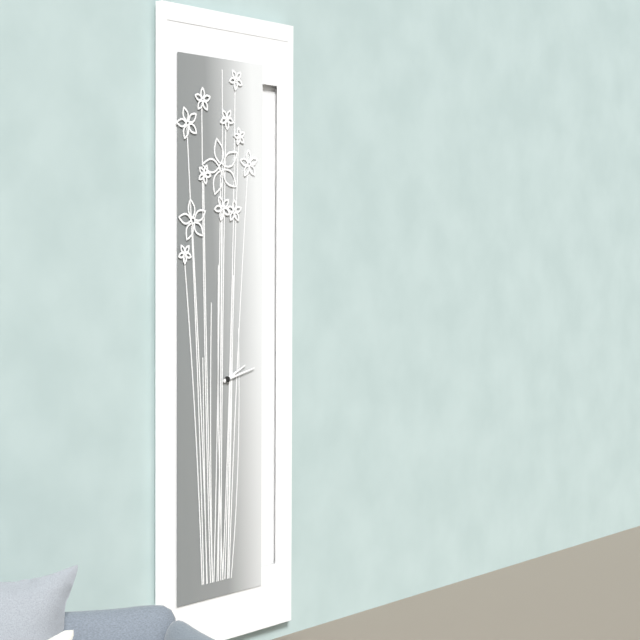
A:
2:13
